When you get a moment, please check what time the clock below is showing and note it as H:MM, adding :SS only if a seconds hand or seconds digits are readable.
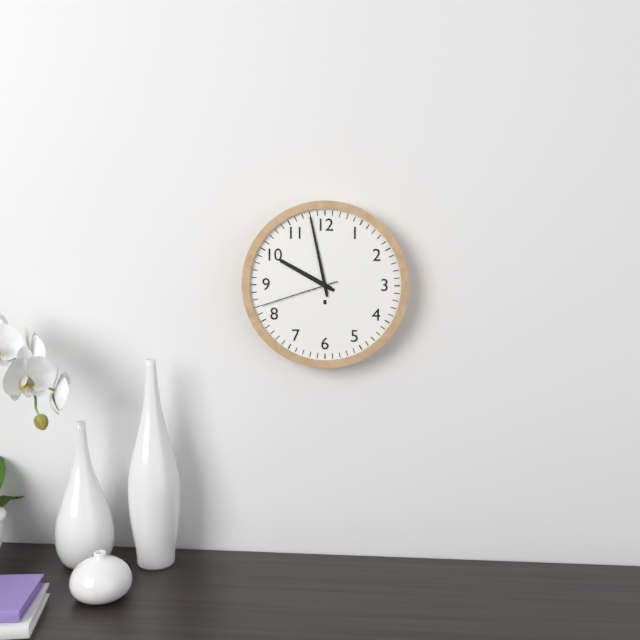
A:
9:58:42
